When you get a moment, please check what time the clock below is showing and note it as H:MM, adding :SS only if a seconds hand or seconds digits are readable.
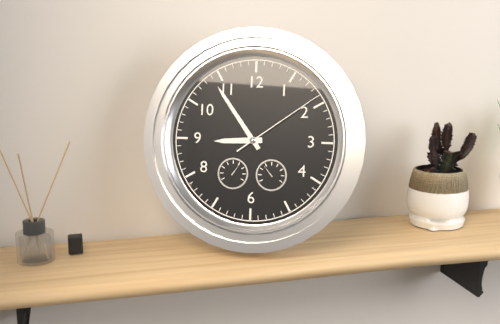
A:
8:54:09
